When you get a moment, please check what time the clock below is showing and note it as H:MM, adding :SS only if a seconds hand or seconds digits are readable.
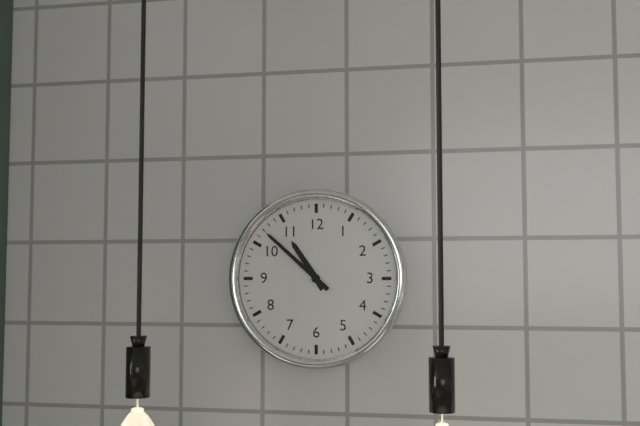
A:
10:52
